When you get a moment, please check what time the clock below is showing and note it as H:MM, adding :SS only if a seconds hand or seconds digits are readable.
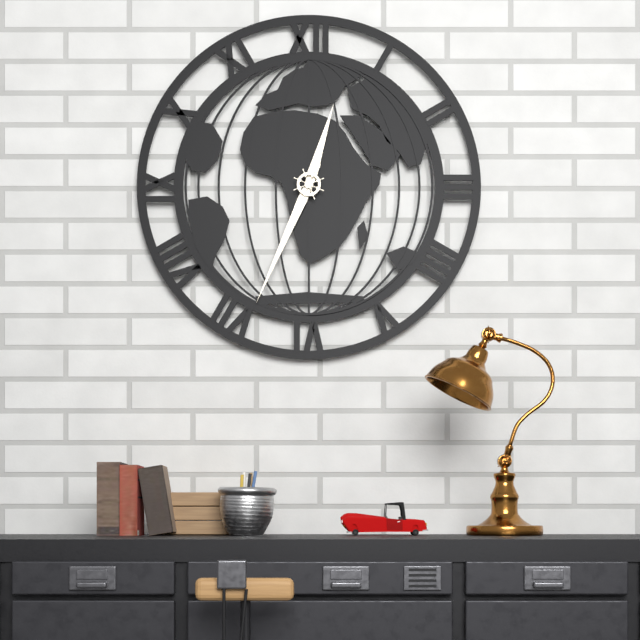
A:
12:34
